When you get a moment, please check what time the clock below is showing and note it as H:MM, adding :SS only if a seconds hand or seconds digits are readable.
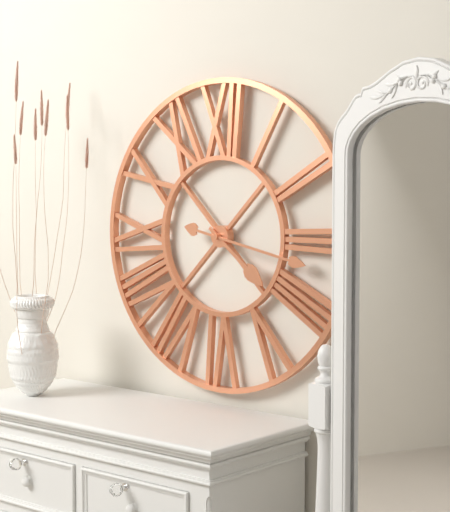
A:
4:17
